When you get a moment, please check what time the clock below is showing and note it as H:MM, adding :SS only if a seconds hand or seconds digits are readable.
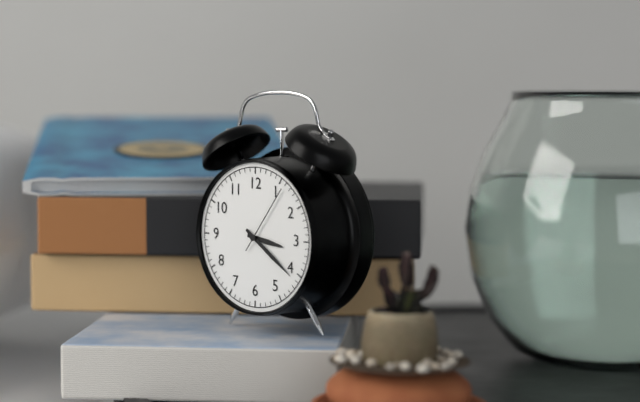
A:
3:21:06
